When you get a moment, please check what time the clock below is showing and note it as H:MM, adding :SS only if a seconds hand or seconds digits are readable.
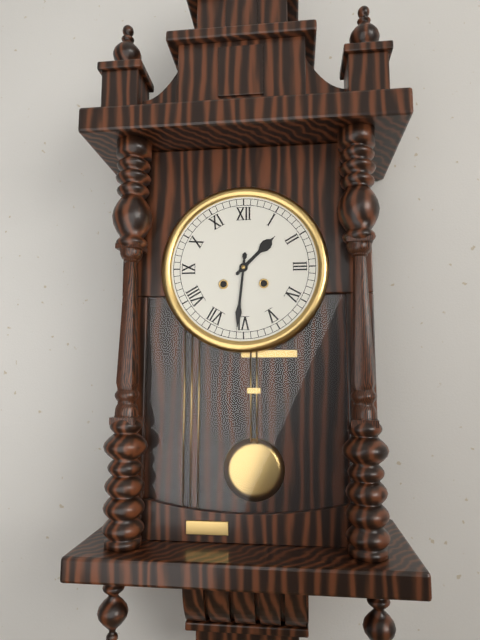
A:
1:31
